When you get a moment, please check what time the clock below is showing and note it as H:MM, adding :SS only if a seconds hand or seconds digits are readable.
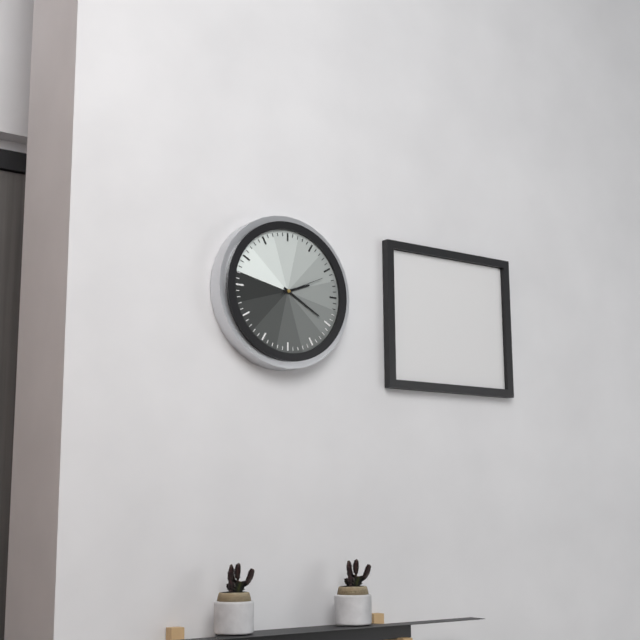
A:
2:20
